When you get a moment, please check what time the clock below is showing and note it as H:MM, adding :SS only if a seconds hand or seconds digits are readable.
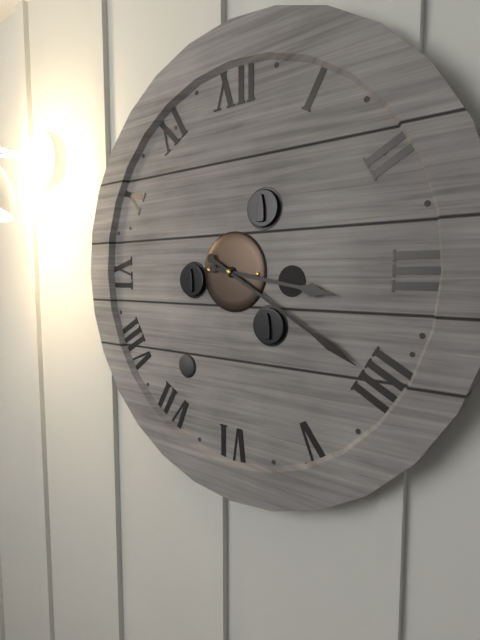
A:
3:20
